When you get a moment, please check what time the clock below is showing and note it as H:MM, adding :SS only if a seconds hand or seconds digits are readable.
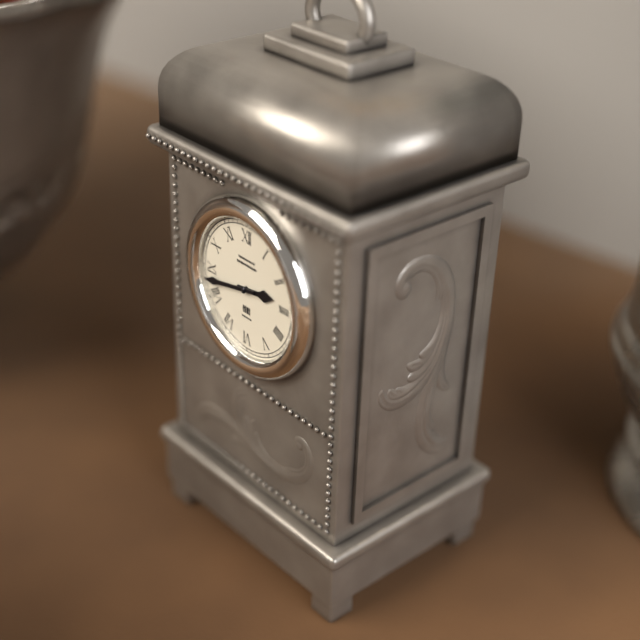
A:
2:43
